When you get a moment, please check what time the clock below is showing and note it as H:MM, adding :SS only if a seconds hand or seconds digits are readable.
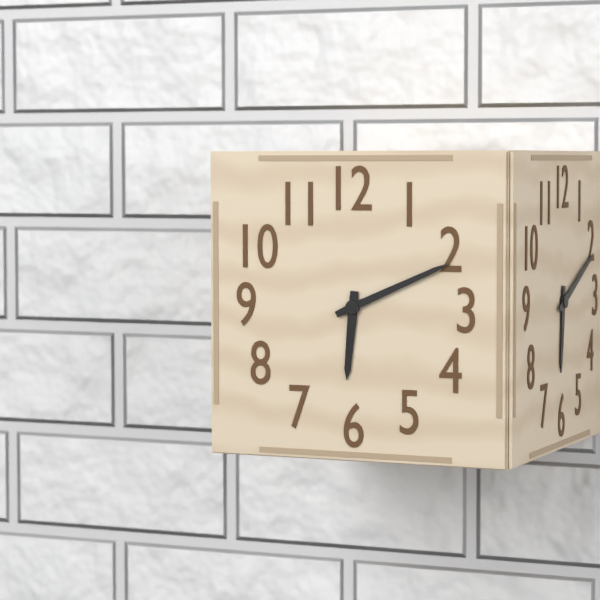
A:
6:11
